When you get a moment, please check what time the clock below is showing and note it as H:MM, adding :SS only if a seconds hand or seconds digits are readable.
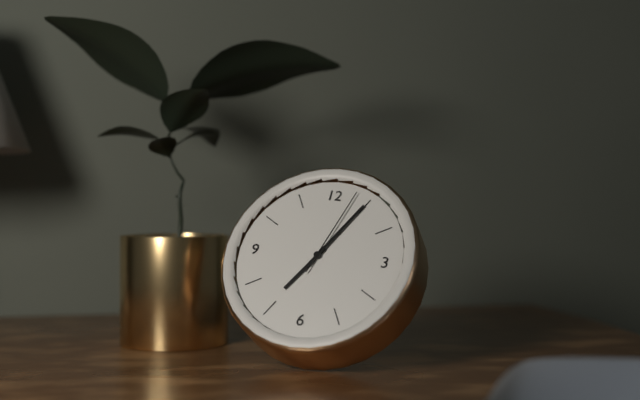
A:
7:05:03
